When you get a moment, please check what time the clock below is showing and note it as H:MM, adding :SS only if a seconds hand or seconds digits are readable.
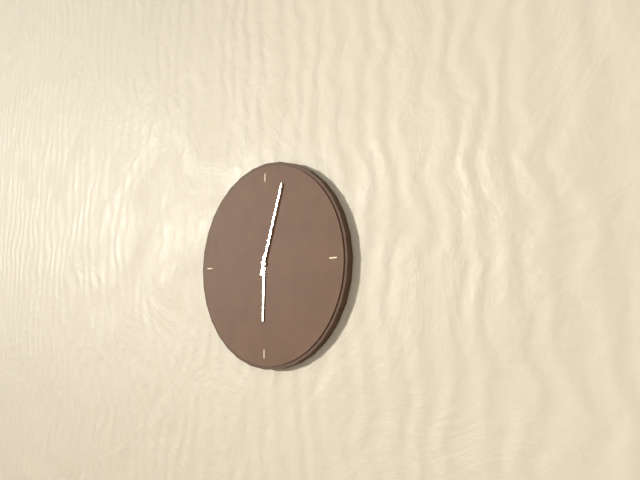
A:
6:03
